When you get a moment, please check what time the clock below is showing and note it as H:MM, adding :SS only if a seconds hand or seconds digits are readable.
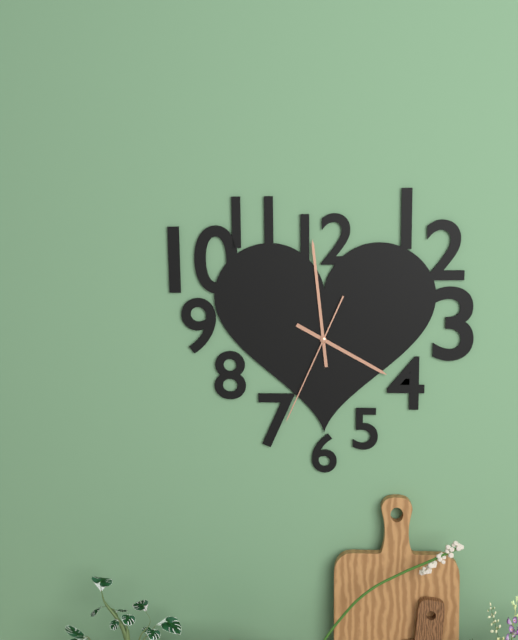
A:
3:59:34
